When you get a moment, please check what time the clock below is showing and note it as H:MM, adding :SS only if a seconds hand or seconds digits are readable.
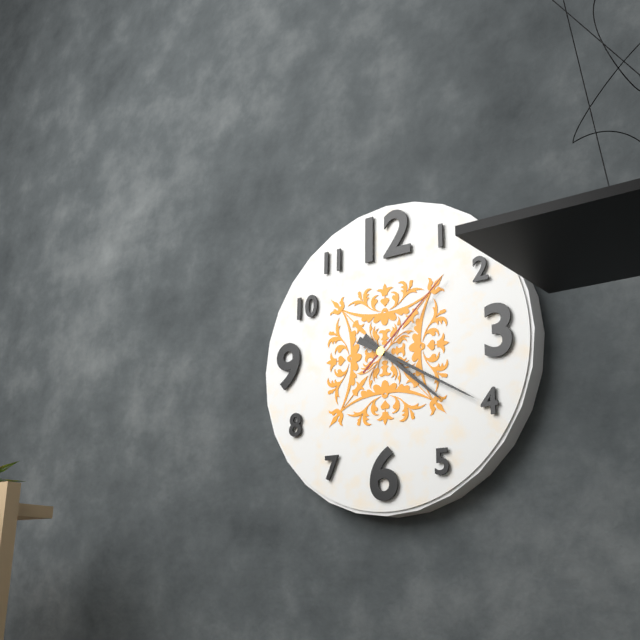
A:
4:20:08
